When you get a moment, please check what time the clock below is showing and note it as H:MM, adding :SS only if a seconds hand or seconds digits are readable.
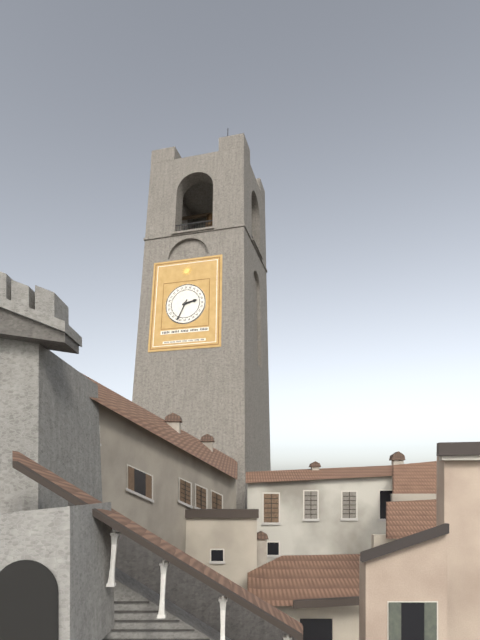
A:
2:34
